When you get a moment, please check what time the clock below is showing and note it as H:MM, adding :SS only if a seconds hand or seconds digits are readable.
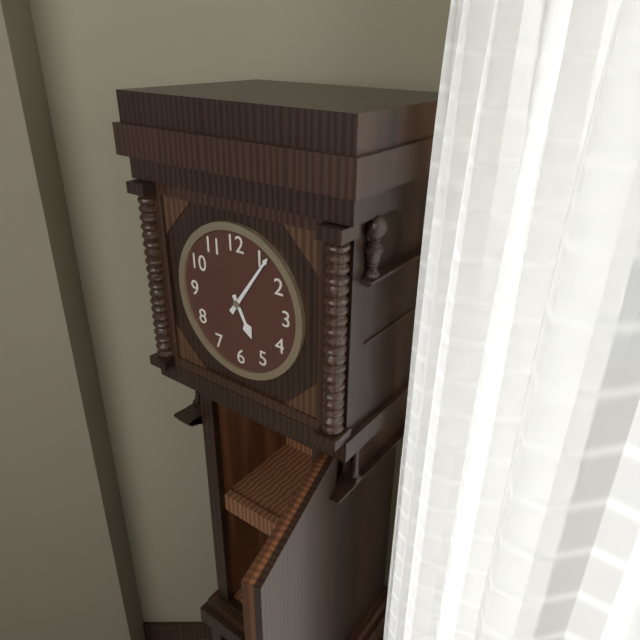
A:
5:06
